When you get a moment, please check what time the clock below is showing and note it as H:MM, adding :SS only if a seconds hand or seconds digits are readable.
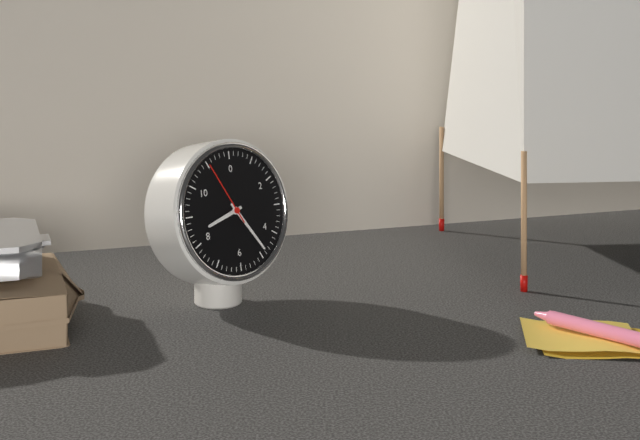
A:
8:24:55
